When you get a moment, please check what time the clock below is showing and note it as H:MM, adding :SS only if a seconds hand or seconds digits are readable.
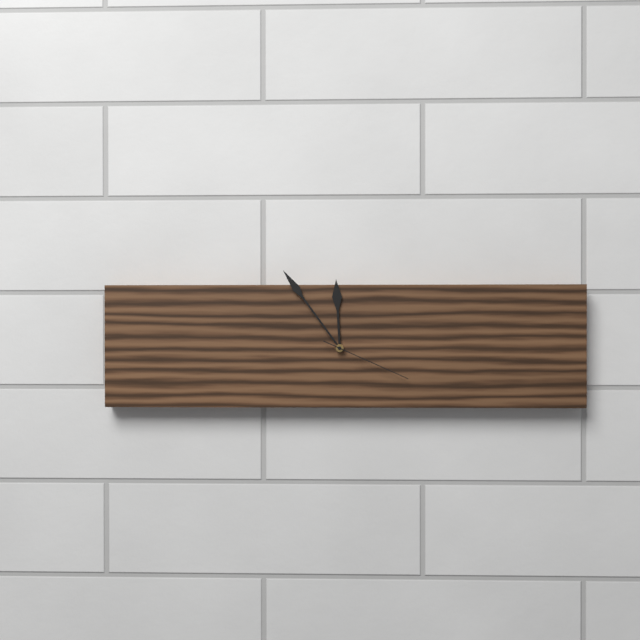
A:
11:54:19
